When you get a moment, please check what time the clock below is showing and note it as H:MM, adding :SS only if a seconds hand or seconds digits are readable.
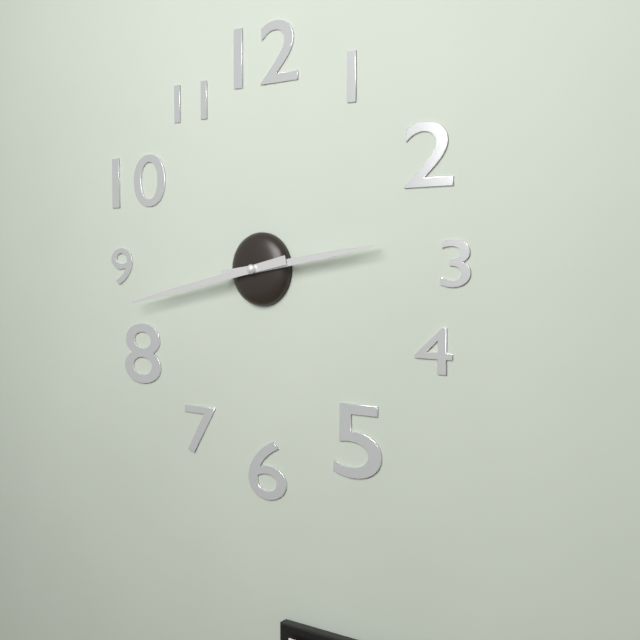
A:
2:43
